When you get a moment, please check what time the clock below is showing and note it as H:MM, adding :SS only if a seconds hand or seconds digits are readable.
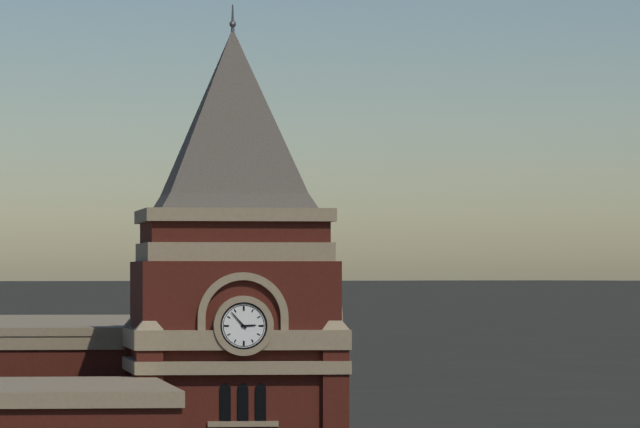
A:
2:53
